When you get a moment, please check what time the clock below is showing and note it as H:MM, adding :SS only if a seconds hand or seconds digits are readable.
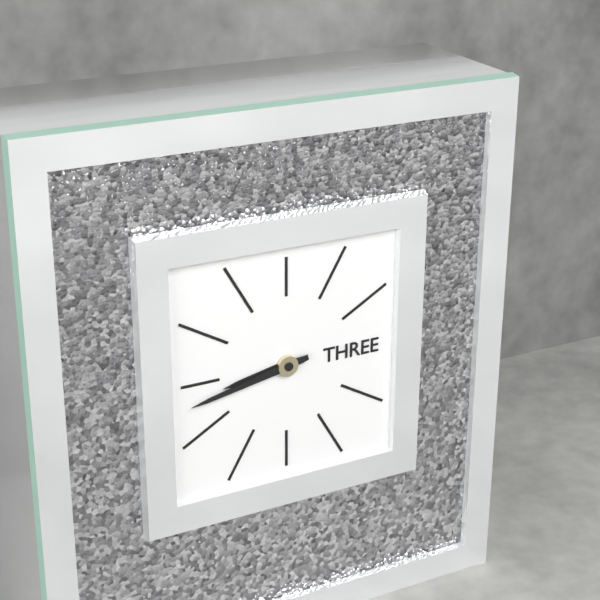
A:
8:43
